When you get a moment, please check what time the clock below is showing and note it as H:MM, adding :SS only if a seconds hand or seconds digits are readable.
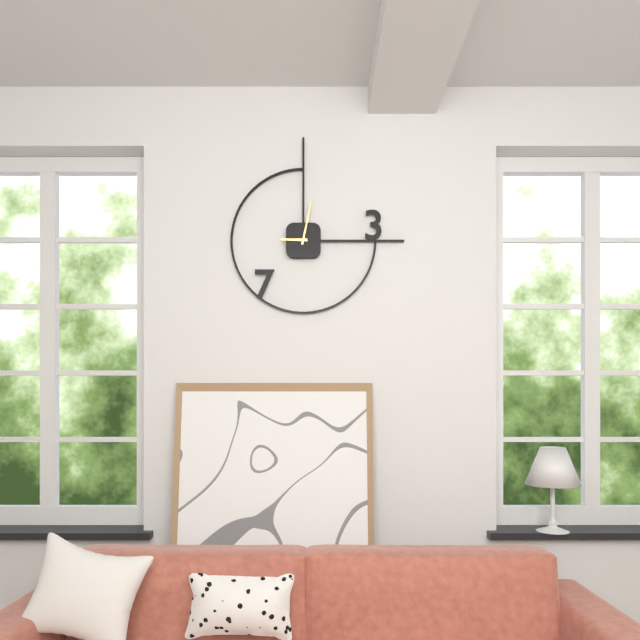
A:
9:02
